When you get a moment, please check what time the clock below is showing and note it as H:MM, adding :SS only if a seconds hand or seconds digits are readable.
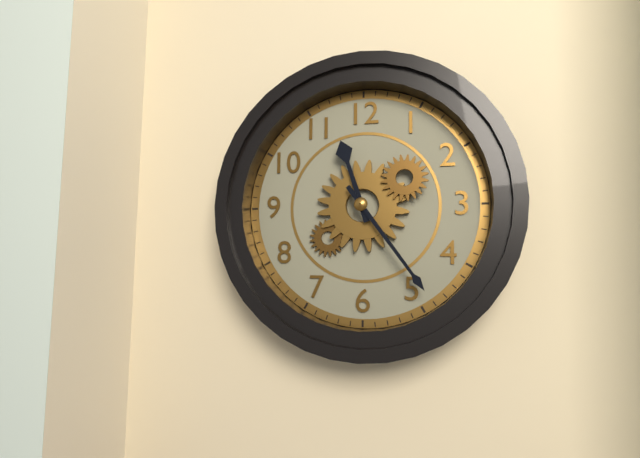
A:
11:24
